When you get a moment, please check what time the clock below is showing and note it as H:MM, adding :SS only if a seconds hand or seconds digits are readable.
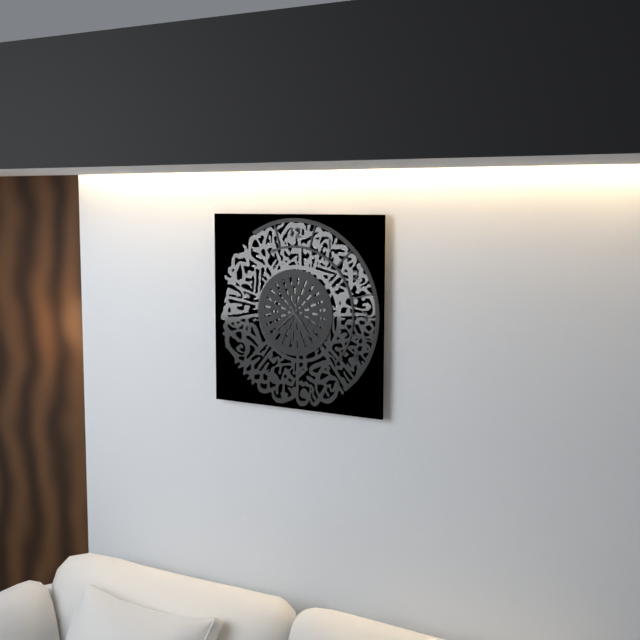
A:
4:38
